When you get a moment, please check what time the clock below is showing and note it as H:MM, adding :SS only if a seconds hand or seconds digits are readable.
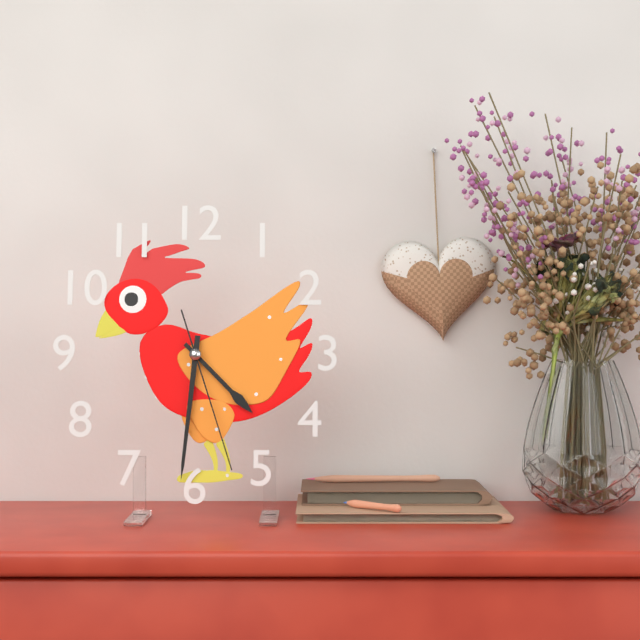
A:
4:31:27
